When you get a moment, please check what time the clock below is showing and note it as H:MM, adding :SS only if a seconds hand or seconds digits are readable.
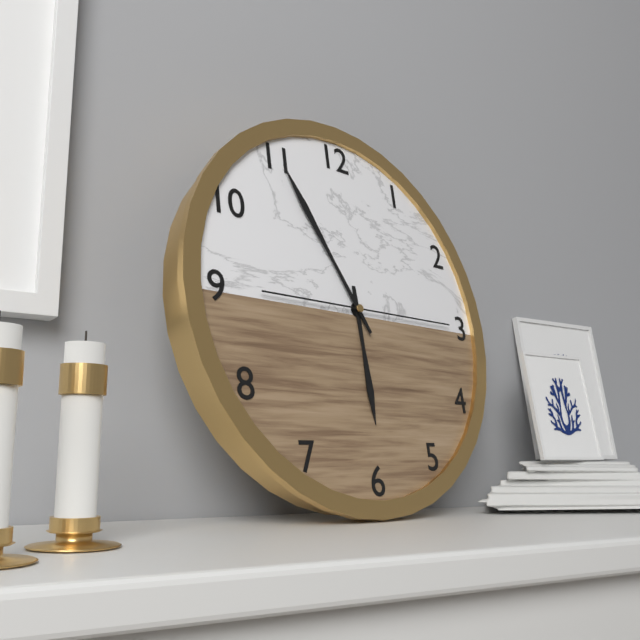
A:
5:55:15
